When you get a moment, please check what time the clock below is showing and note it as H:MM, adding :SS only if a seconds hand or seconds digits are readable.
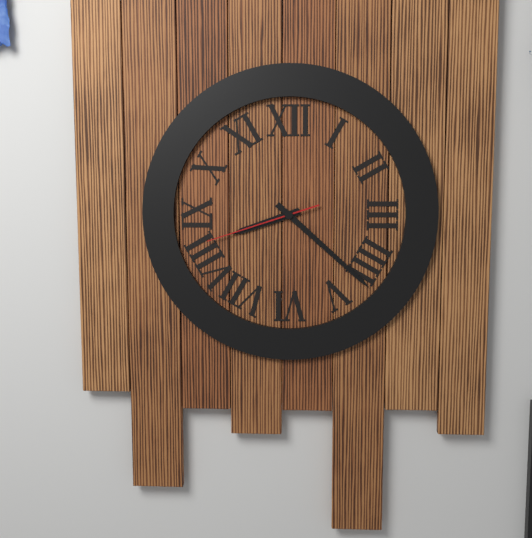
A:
8:22:42
